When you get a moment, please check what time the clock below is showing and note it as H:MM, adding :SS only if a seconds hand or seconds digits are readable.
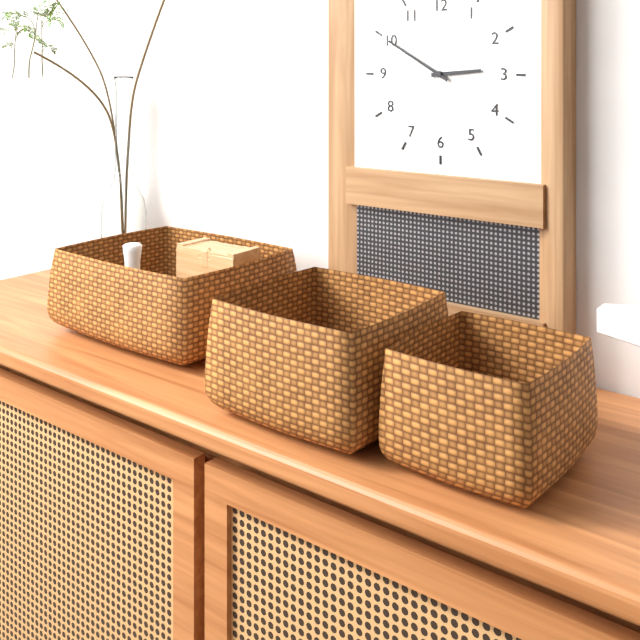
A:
2:50
